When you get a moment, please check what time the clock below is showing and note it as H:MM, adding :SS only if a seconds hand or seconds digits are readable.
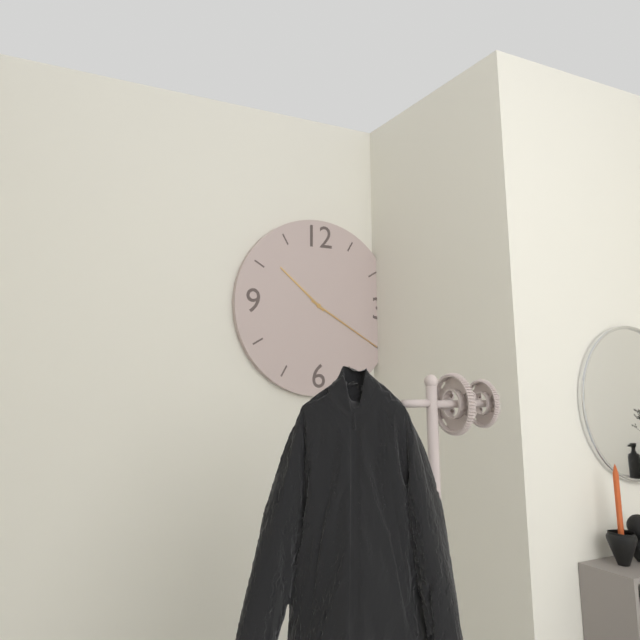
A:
10:20
